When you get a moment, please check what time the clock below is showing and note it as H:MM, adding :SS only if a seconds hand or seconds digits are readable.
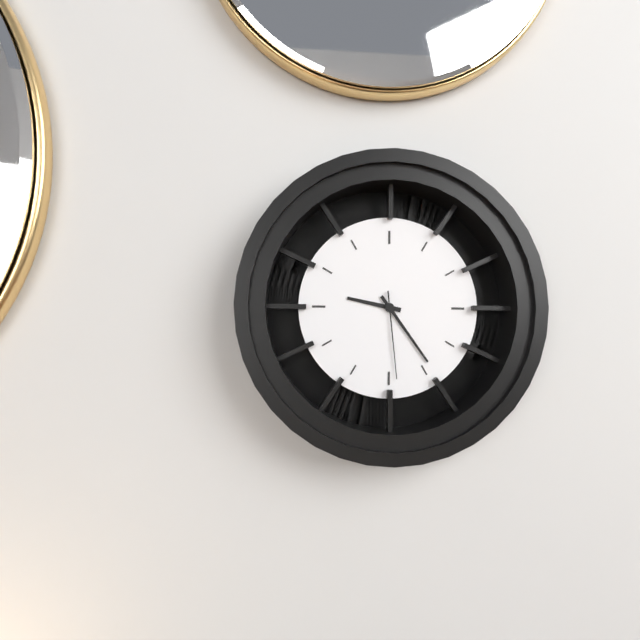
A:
9:24:29
